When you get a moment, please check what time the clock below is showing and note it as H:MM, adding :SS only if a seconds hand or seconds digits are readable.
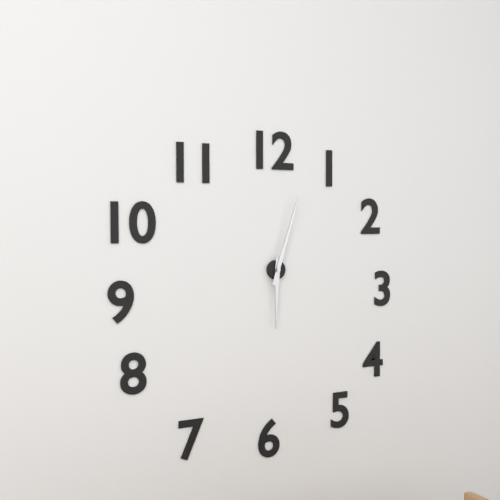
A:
6:03
